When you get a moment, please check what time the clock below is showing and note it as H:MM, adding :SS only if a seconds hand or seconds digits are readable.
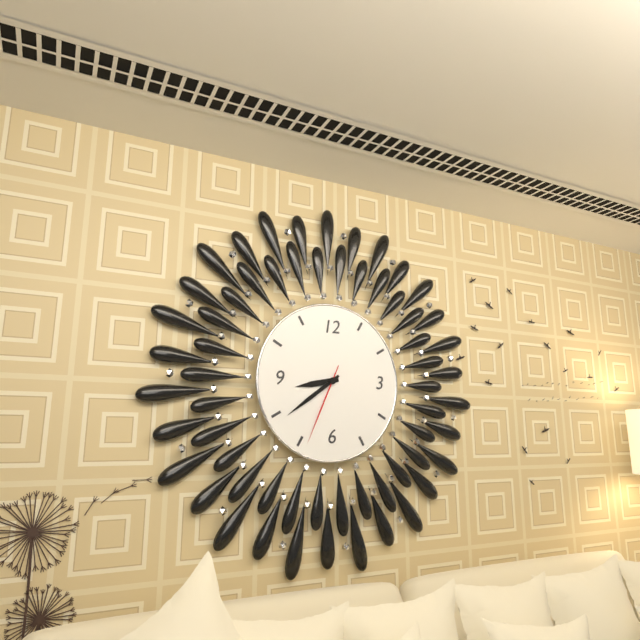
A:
8:39:34
